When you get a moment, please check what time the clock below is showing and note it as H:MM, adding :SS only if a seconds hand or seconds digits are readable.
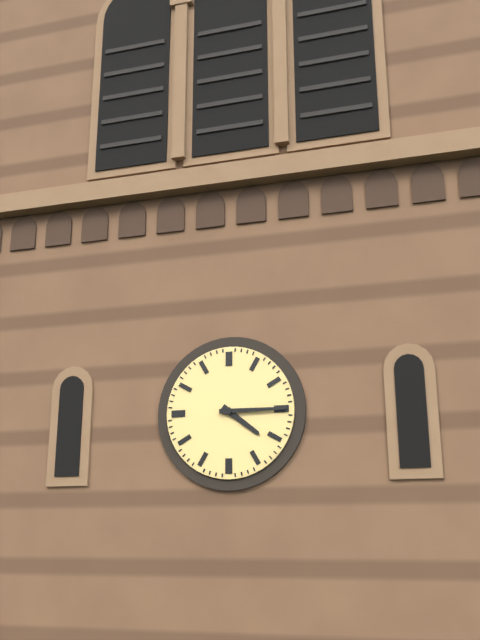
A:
4:15
